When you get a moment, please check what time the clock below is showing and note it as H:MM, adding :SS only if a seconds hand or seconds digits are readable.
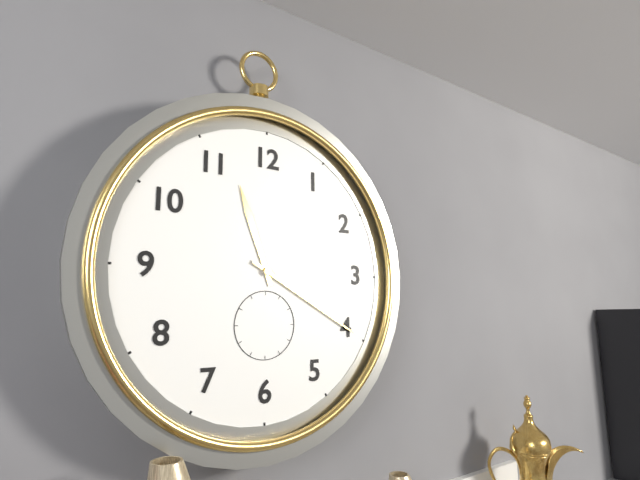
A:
11:20
